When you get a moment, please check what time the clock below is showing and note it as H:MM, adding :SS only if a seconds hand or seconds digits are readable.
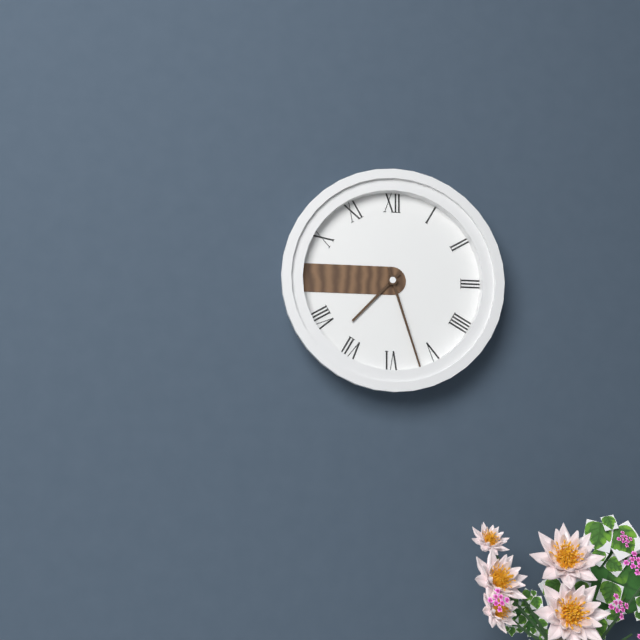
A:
7:27
